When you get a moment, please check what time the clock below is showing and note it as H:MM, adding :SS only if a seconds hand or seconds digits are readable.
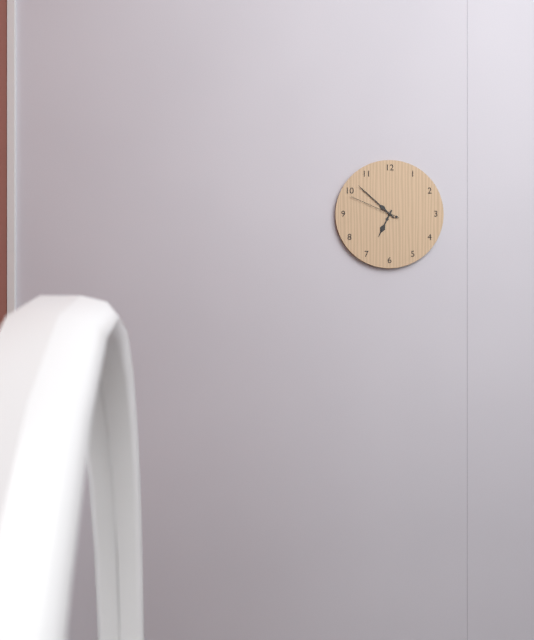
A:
6:52:49
